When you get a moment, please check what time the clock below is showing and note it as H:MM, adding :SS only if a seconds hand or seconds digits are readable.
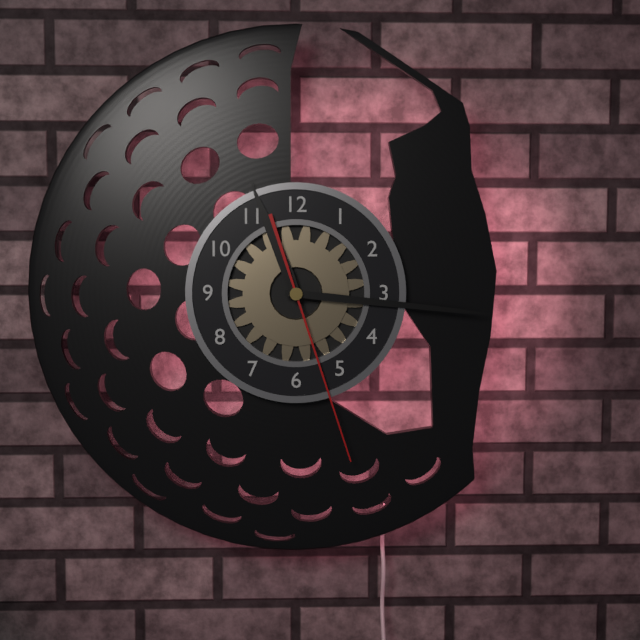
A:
11:16:27
